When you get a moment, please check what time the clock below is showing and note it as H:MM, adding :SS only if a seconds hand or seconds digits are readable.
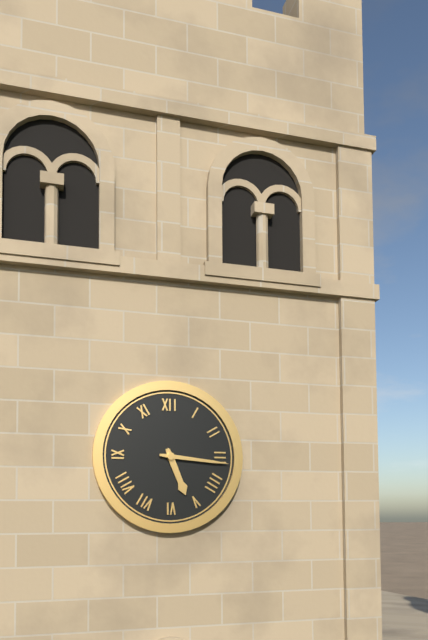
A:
5:16
